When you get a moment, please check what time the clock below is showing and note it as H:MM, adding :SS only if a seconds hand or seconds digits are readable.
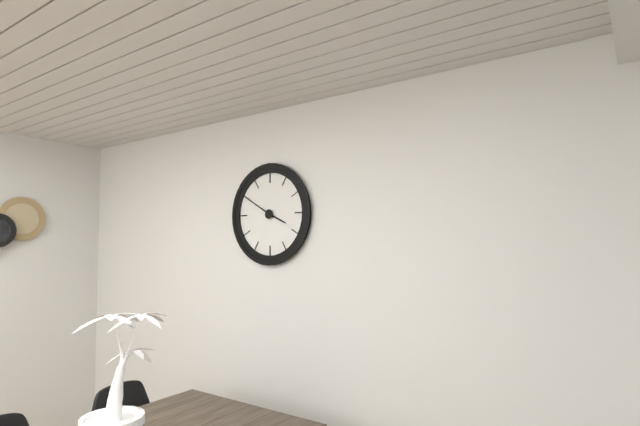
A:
3:50
